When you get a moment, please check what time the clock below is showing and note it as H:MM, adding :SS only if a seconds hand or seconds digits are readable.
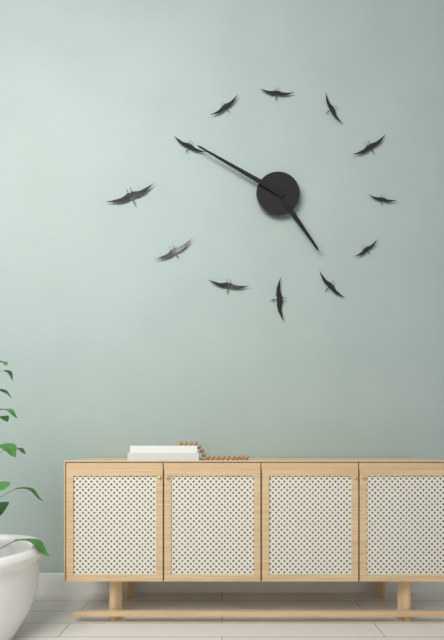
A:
4:50
